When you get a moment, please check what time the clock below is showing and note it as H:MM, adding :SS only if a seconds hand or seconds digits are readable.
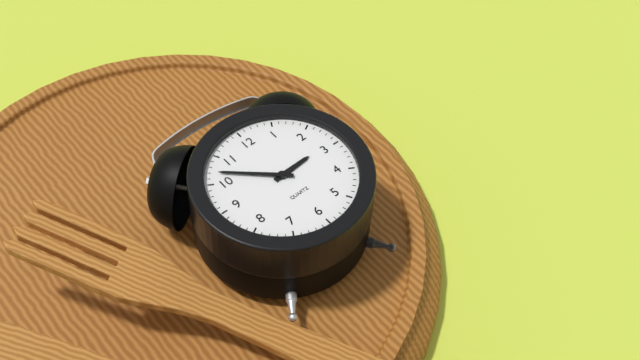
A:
2:52
